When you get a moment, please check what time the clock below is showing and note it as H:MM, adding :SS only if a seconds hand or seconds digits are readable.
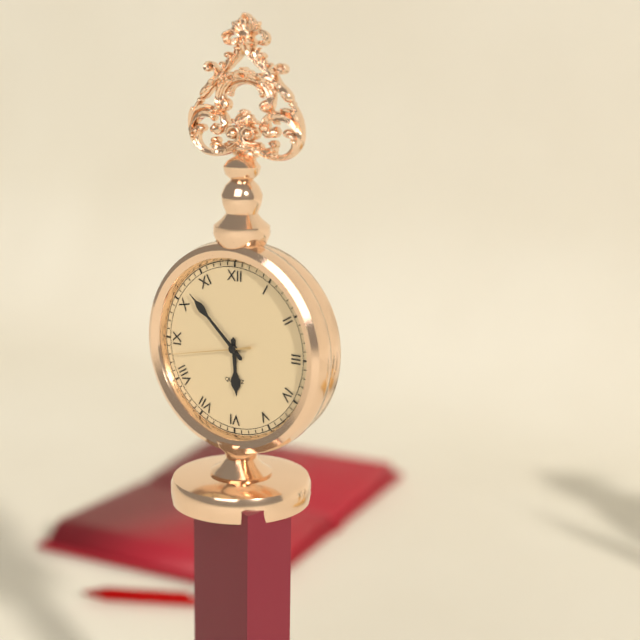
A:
5:52:43
